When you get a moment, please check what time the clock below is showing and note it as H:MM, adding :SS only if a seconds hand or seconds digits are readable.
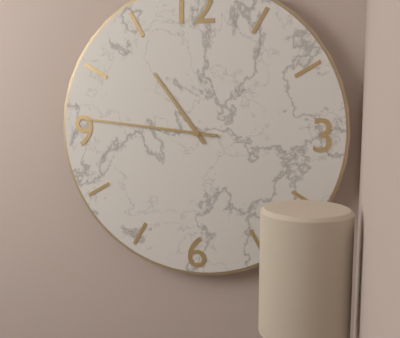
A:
10:46
